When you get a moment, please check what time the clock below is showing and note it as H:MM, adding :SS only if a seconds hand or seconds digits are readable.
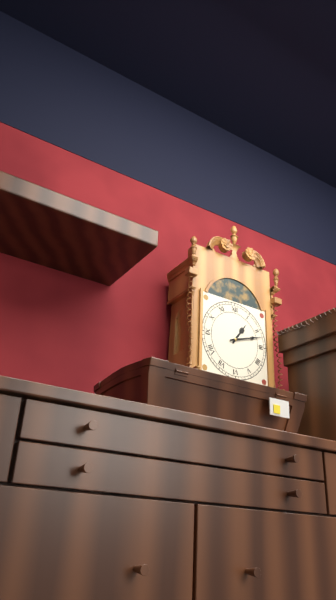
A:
1:12
